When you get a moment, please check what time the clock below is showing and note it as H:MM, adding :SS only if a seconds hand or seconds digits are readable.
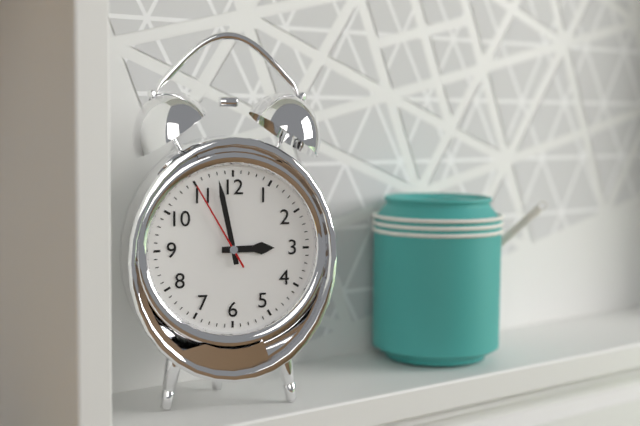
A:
2:58:55
